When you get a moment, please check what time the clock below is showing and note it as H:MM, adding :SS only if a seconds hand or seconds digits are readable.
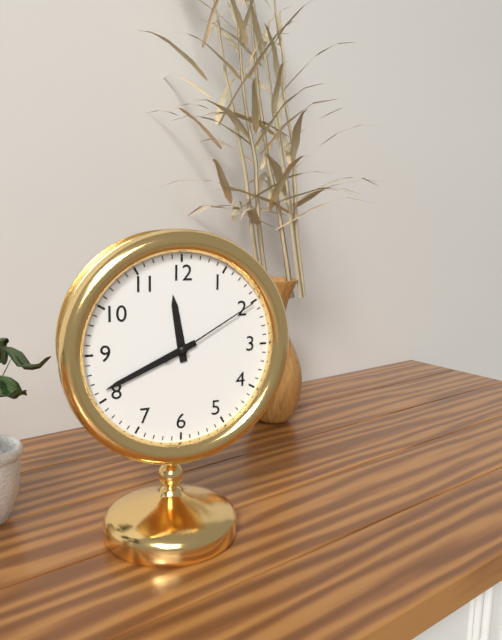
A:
11:41:10
